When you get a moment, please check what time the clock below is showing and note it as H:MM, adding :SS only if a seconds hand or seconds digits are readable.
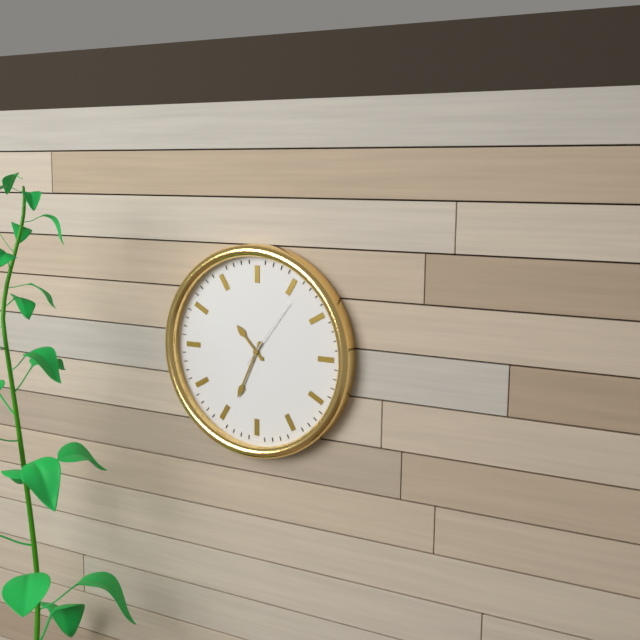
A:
10:34:06
